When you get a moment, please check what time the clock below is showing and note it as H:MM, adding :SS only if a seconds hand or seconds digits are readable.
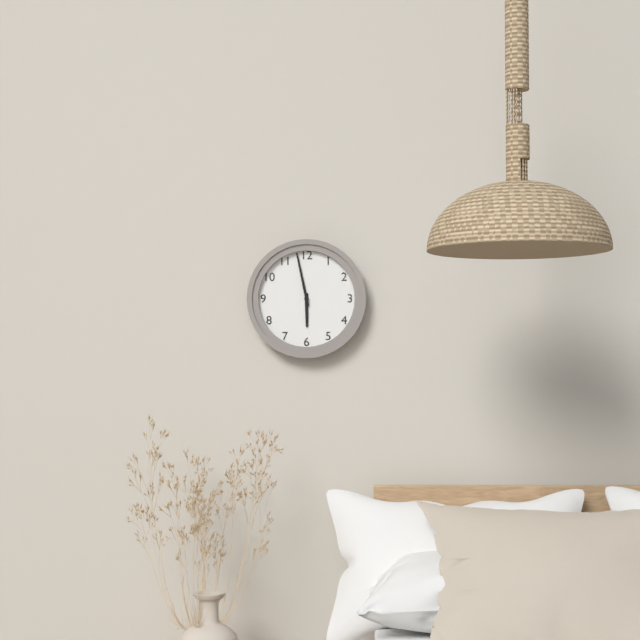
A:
5:58
